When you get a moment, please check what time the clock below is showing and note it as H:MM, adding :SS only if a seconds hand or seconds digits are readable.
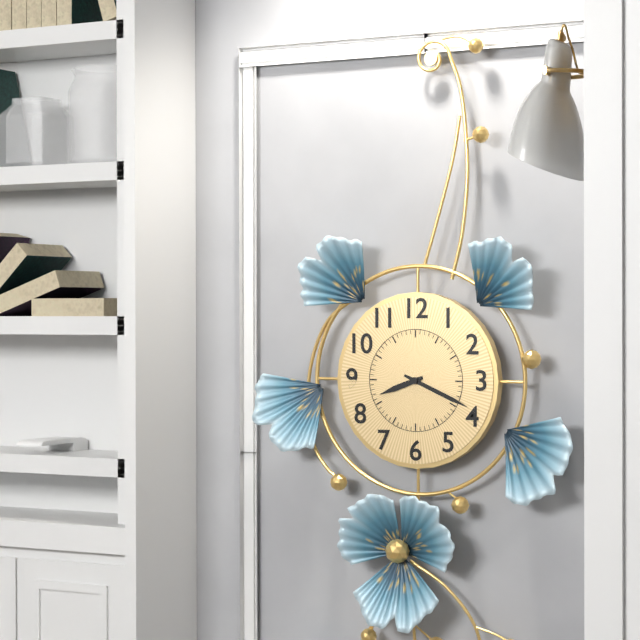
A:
8:19
